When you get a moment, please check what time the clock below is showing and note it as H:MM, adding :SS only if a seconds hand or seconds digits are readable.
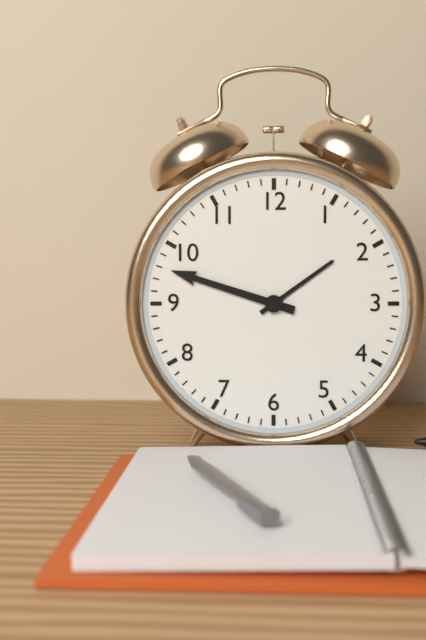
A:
1:48
